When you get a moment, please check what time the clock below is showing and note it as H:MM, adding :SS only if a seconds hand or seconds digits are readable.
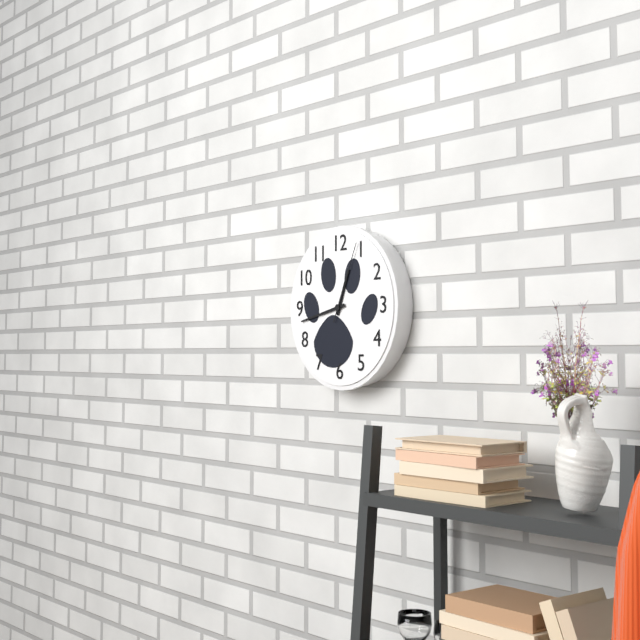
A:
12:43:04
